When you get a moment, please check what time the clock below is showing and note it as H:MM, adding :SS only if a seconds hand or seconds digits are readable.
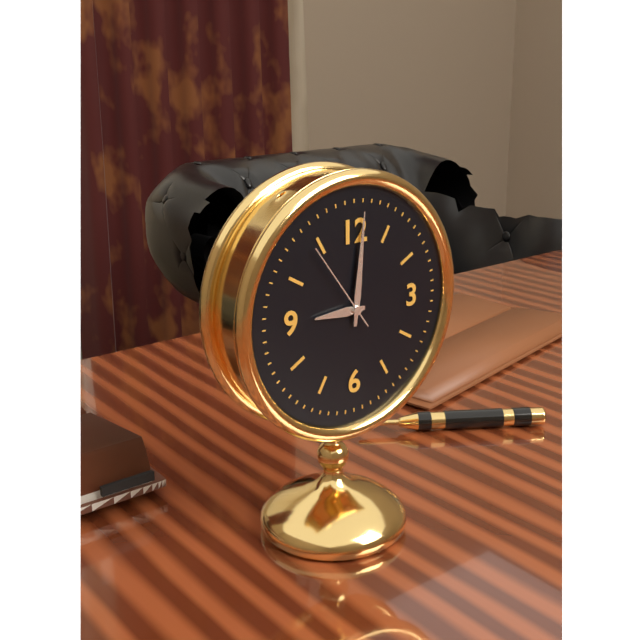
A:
9:01:54
